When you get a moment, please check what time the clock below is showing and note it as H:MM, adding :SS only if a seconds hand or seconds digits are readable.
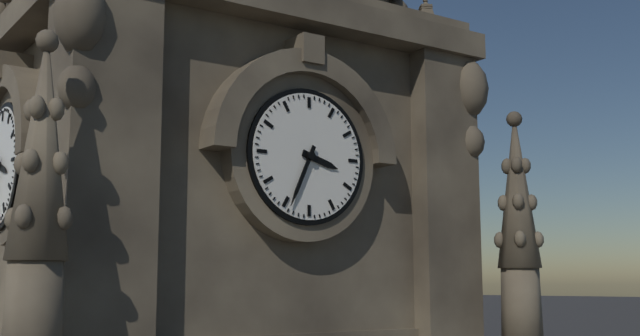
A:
3:34
